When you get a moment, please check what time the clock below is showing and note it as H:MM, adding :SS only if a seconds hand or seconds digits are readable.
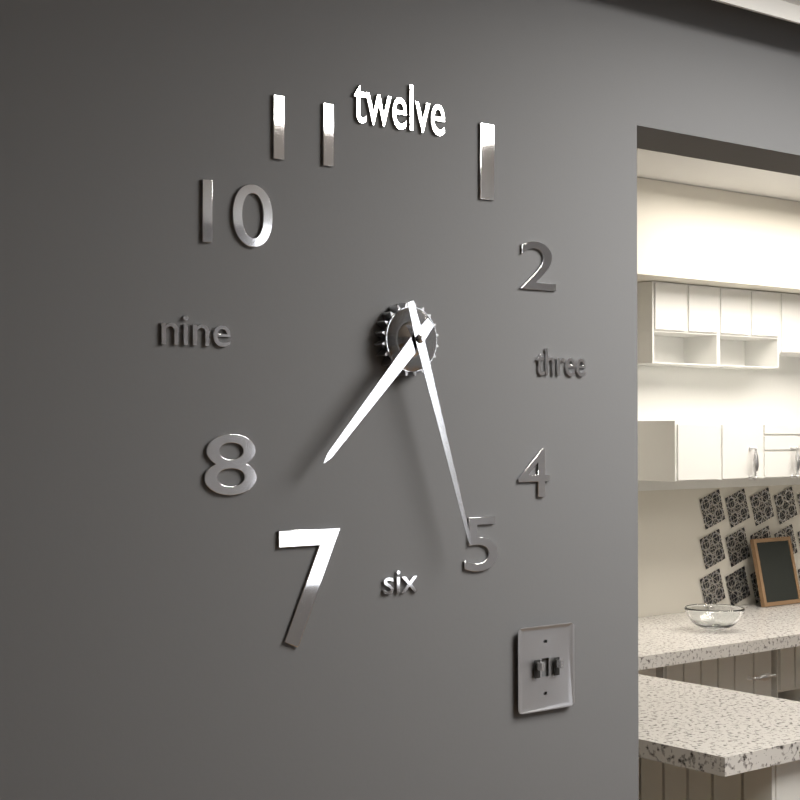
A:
7:27
